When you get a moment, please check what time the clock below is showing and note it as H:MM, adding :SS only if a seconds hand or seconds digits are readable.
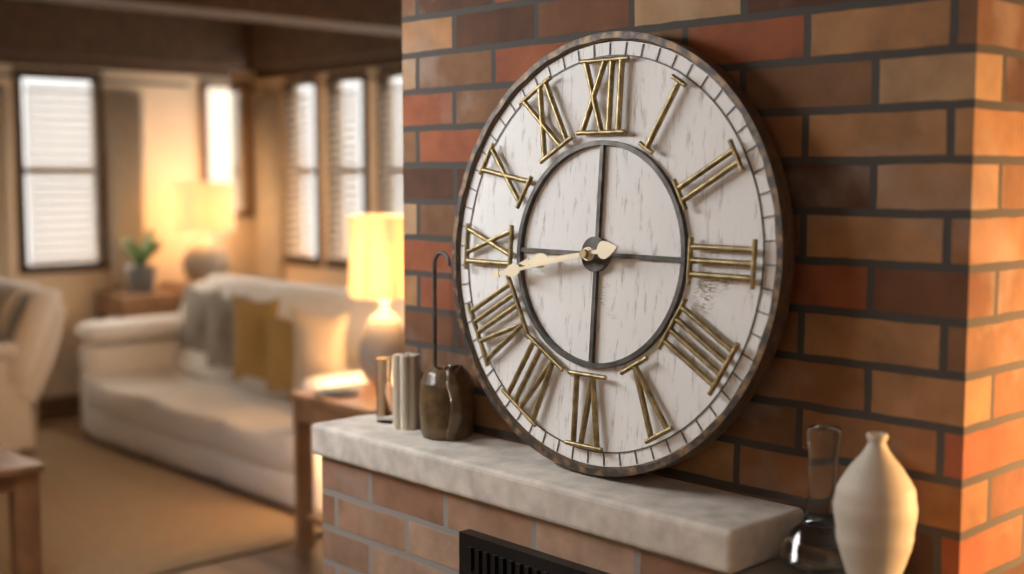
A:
8:43
